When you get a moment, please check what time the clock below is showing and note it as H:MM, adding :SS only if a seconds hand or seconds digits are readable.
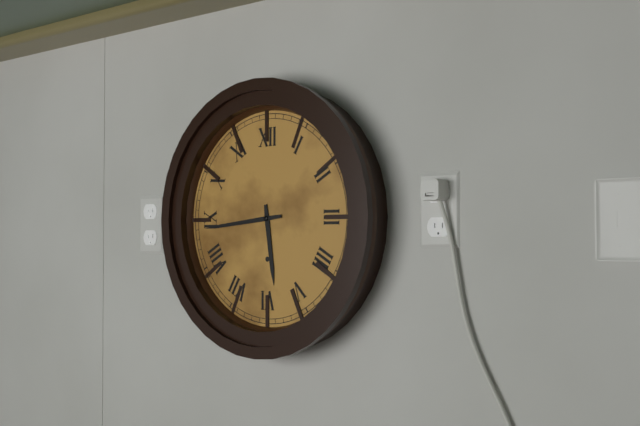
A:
5:44
